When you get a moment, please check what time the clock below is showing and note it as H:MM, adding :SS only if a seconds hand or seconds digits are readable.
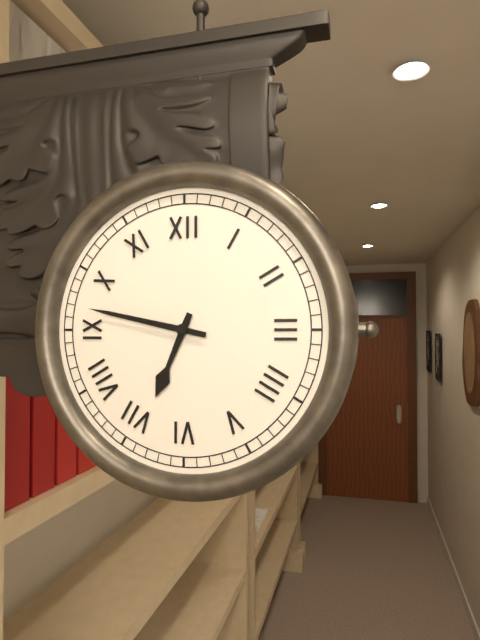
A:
6:47
